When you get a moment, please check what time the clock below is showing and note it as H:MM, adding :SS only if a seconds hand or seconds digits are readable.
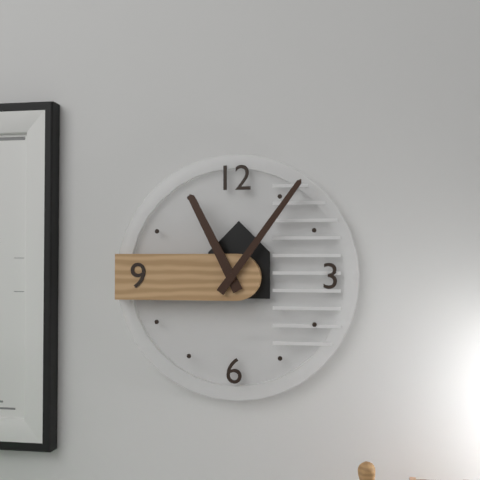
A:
11:06
